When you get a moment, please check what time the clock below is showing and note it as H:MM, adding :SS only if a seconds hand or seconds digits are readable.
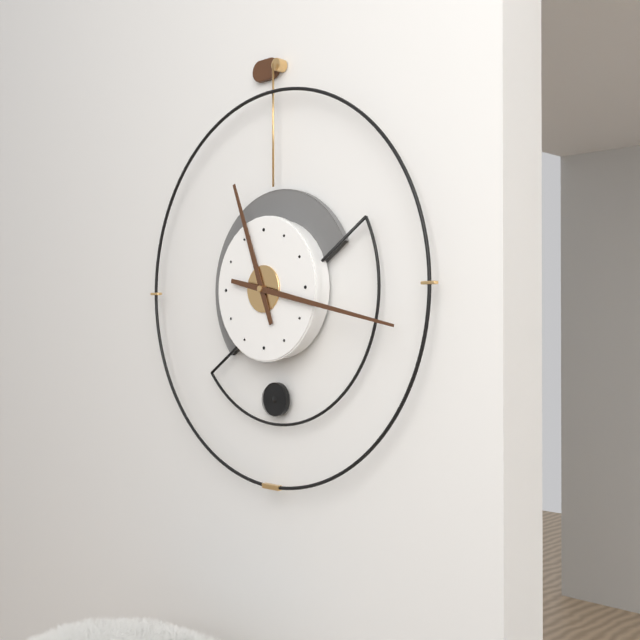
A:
11:17
